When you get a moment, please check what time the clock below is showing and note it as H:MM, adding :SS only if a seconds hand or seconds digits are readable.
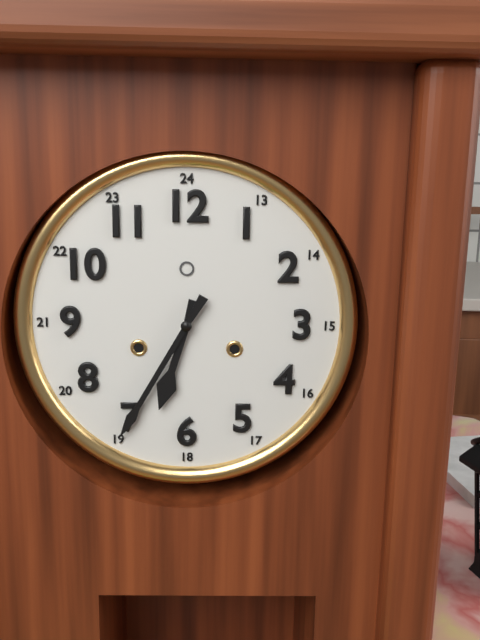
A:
6:35
